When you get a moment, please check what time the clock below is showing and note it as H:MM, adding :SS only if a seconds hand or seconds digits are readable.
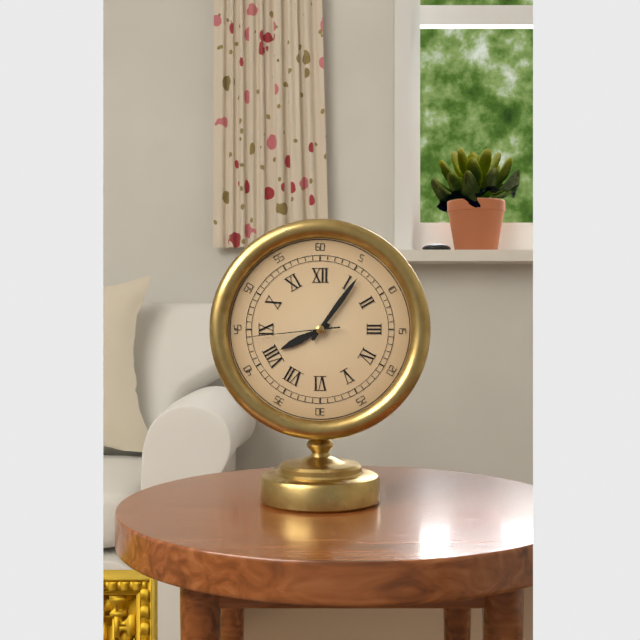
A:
8:06:44
